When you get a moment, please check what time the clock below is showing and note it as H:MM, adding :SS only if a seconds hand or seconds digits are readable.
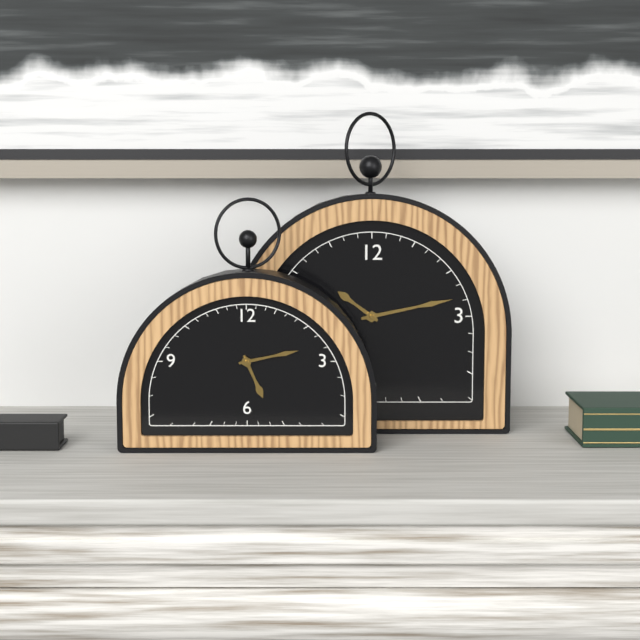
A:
5:13
